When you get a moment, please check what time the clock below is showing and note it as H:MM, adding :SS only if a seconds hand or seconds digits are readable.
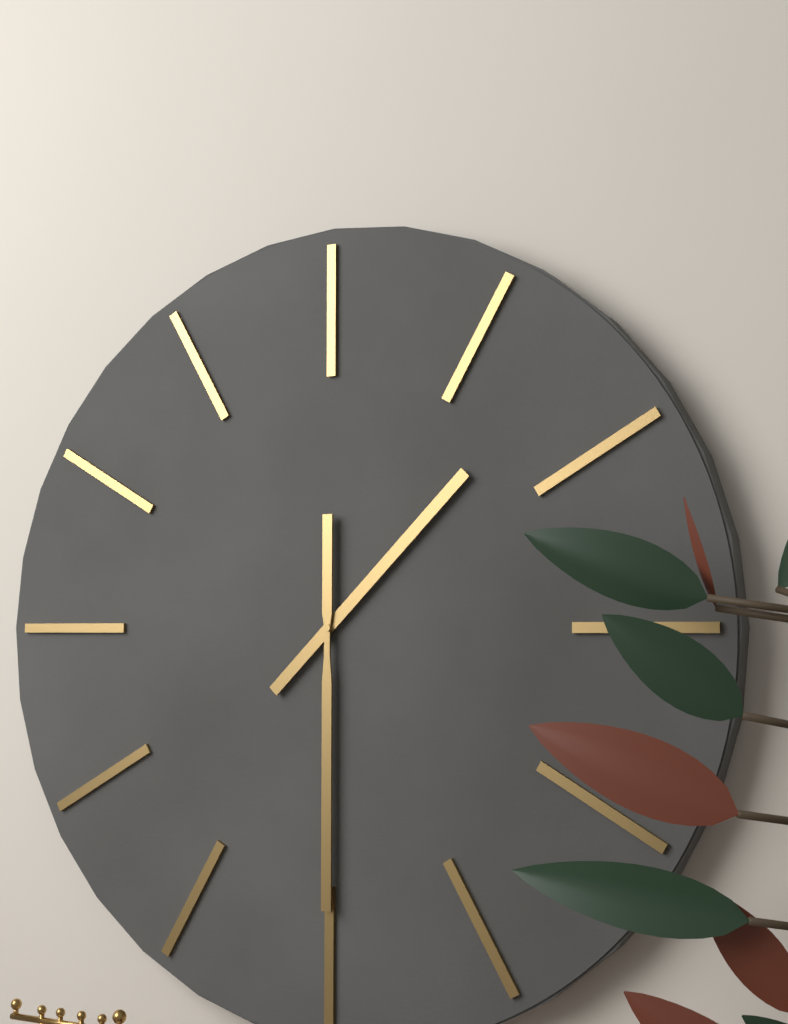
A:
1:30
